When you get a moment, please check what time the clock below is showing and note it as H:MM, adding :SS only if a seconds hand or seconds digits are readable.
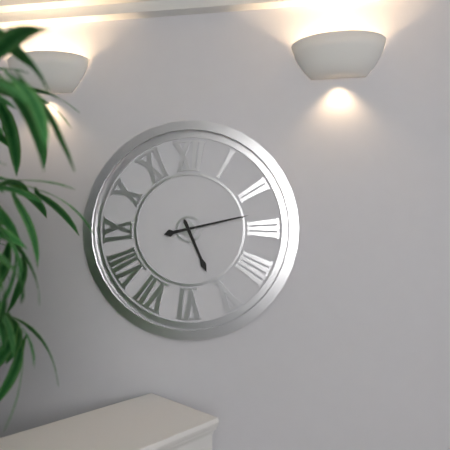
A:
5:13
